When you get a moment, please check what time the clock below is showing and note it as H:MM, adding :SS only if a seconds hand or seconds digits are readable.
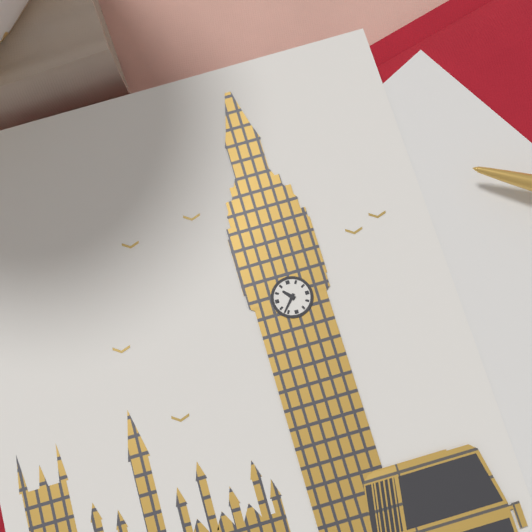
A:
10:37
